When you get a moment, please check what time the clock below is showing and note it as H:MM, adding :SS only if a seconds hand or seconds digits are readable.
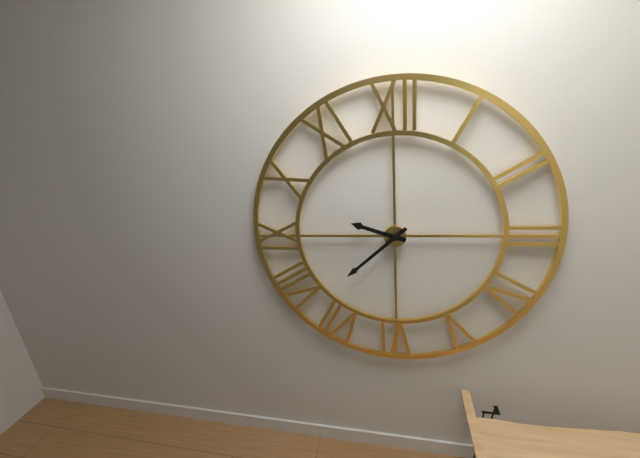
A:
9:38
